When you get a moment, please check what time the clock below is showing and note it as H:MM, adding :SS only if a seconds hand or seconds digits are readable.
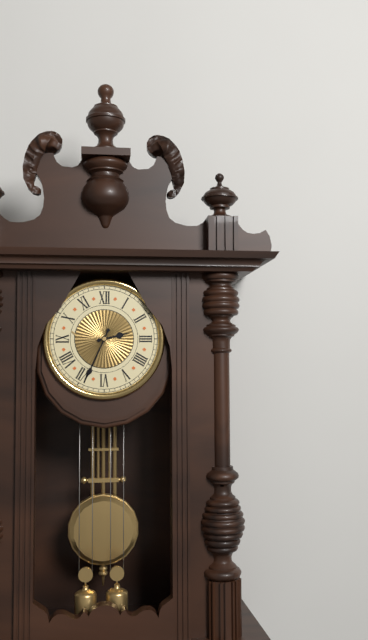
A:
2:34
